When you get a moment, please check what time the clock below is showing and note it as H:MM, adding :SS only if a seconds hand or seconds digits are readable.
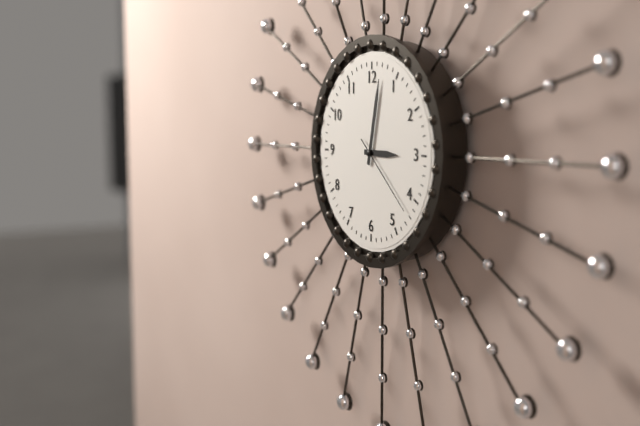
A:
3:02:22
